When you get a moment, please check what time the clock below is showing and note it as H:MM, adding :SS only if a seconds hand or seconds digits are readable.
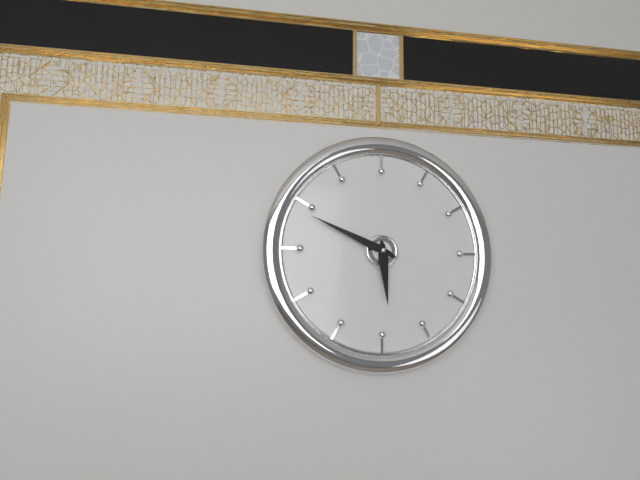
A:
5:49
